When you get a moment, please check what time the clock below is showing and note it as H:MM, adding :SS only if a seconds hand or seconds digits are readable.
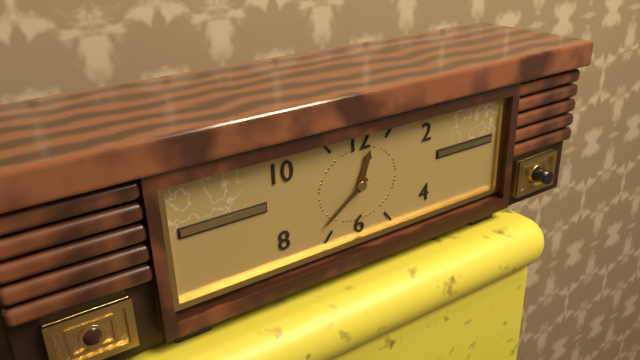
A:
12:39
